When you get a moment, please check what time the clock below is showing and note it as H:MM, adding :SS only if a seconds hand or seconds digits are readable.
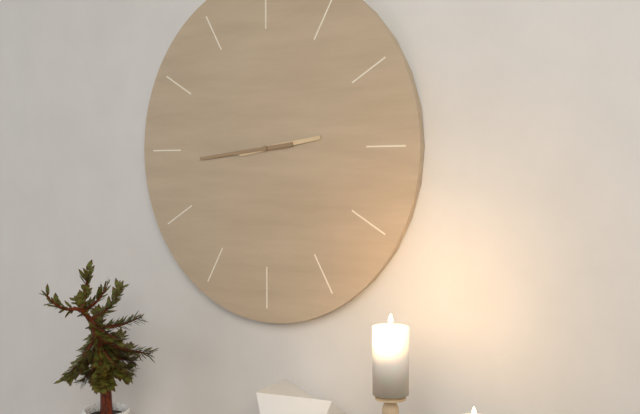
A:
2:44
